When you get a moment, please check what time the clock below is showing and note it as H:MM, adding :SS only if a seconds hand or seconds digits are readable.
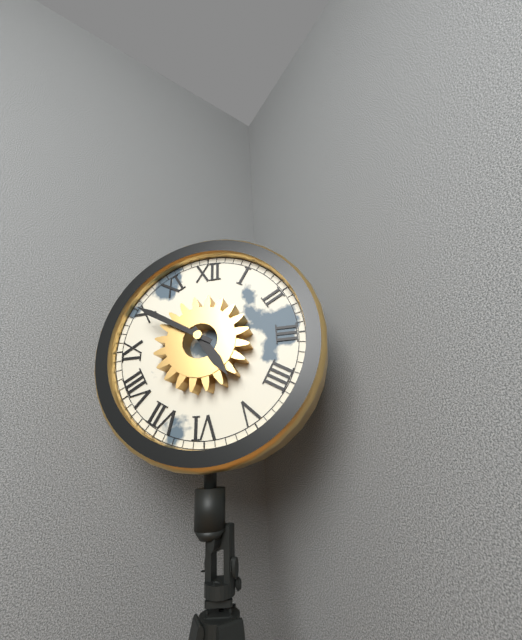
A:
4:50
